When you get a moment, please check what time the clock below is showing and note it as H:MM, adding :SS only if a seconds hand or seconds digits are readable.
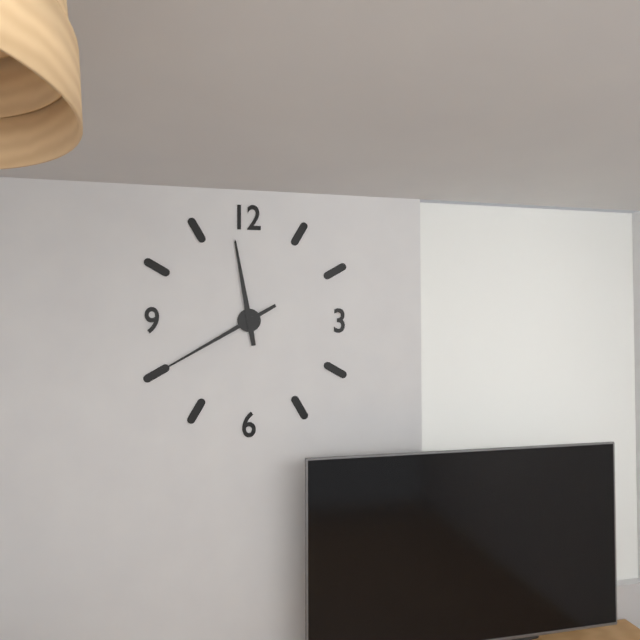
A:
11:40
